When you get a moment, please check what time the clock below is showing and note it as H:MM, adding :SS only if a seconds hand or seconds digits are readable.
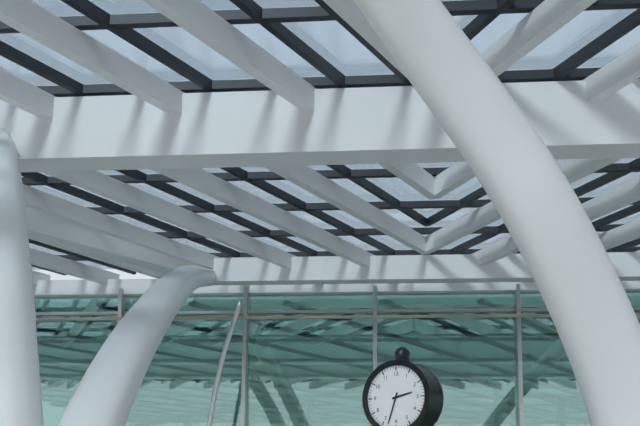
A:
2:33
